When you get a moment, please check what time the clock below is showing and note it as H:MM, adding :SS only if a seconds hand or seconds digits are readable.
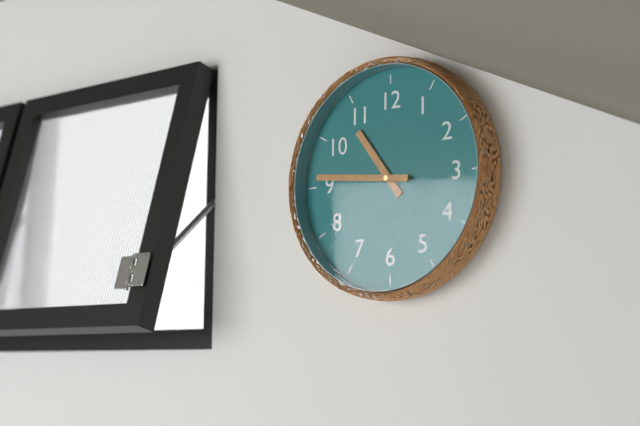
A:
10:46
